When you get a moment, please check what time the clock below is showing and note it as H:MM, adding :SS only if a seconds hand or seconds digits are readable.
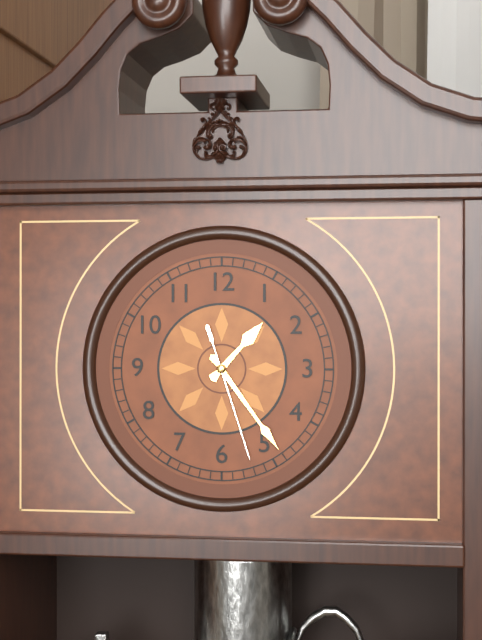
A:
1:24:27
